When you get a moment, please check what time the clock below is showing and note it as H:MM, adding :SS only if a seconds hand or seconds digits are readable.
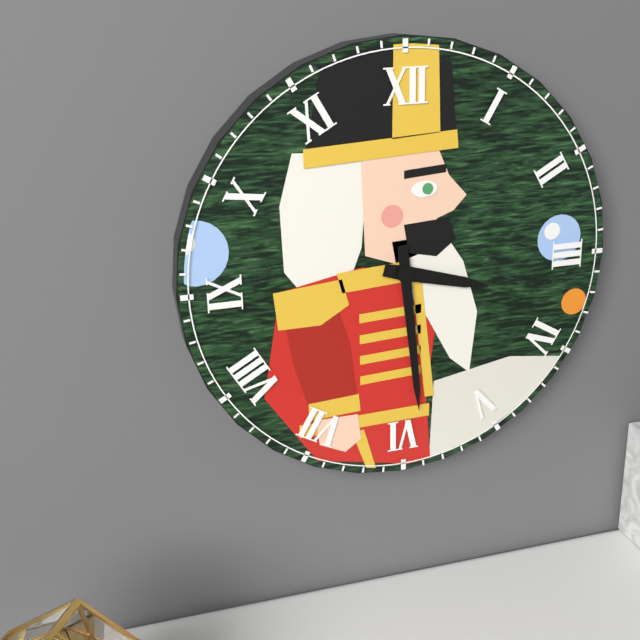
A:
3:29
